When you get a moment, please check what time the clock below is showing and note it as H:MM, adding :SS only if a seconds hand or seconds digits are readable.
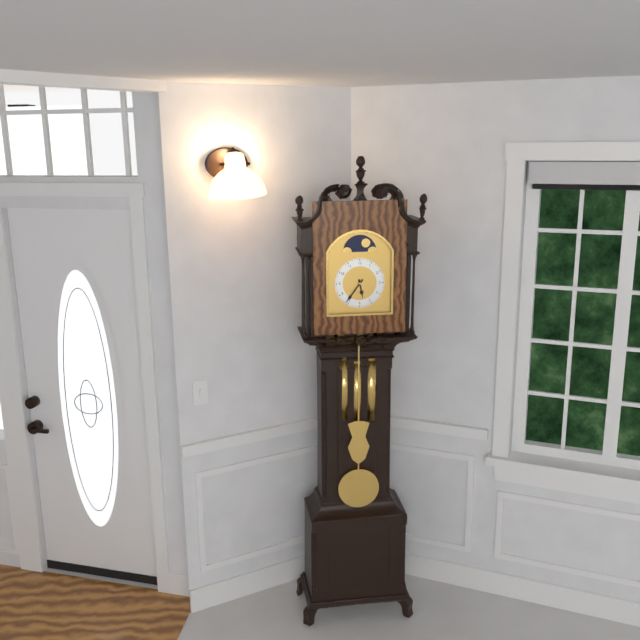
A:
5:36
